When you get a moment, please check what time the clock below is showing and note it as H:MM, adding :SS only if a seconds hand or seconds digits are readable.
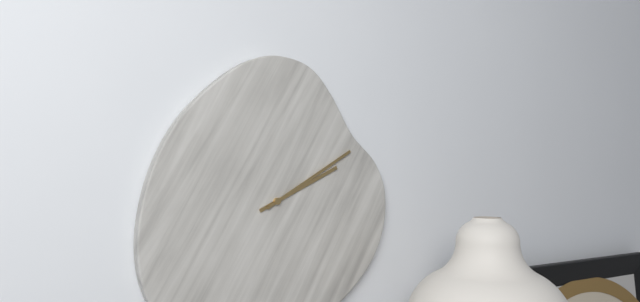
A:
2:10
